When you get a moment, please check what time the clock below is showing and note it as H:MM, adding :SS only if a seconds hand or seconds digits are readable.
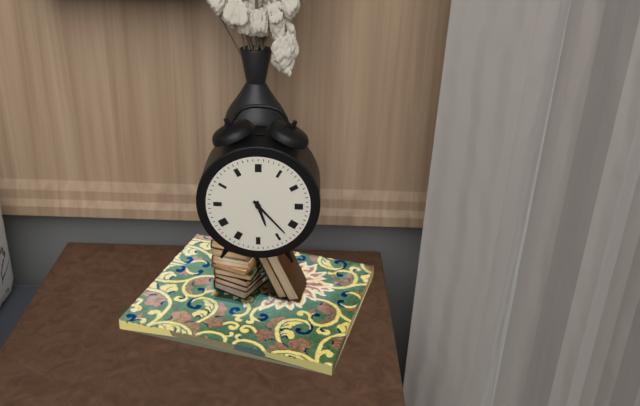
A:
5:23
